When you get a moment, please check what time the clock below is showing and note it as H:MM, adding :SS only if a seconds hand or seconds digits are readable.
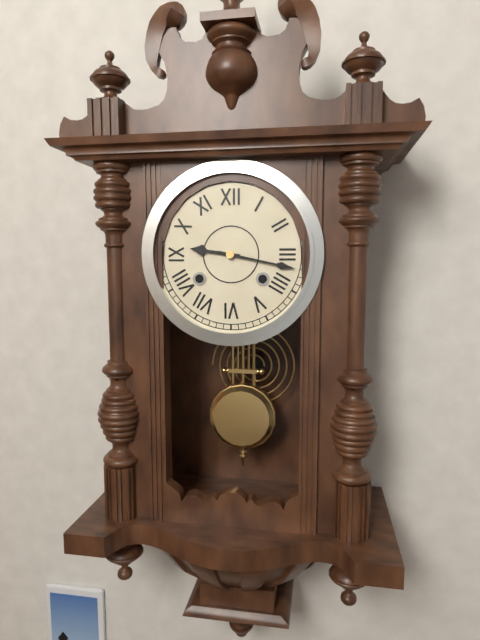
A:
9:17
